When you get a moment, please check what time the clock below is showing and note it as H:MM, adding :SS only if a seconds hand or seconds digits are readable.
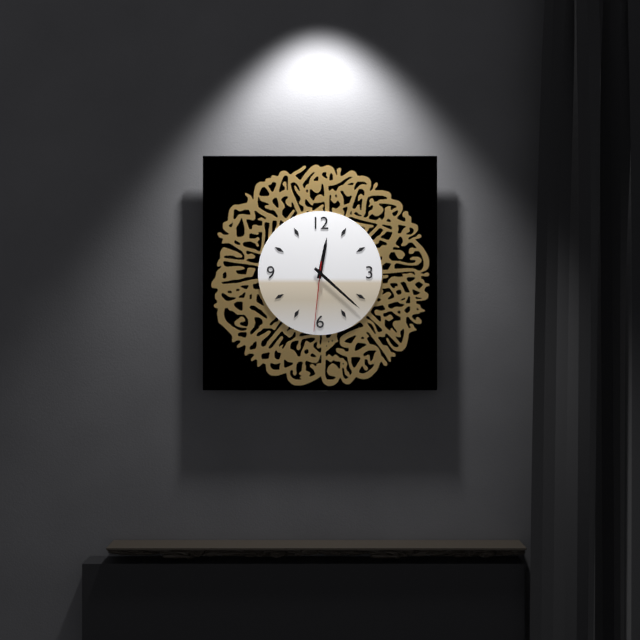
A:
12:22:31
